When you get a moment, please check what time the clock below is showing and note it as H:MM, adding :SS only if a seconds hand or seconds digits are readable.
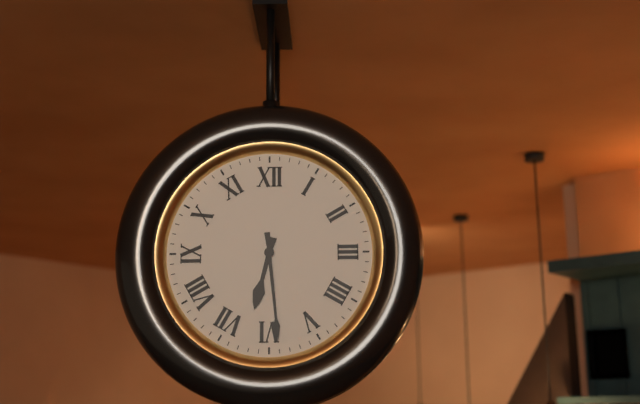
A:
6:29
